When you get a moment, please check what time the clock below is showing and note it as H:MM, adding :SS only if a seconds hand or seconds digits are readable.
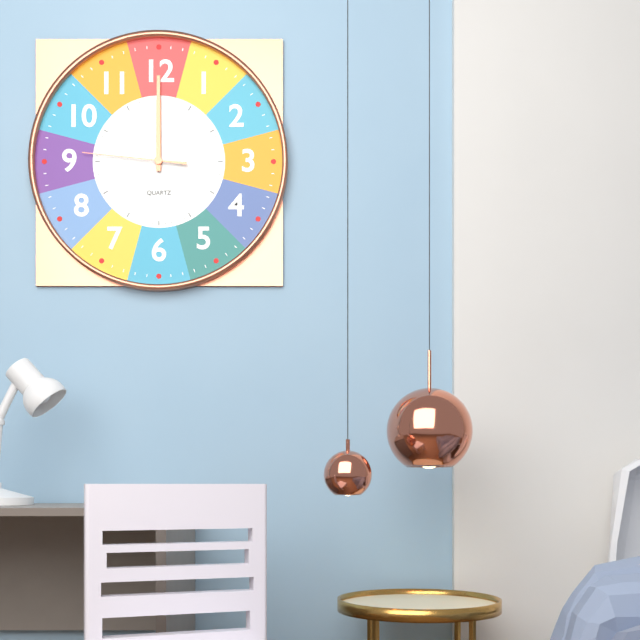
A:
12:00:46
